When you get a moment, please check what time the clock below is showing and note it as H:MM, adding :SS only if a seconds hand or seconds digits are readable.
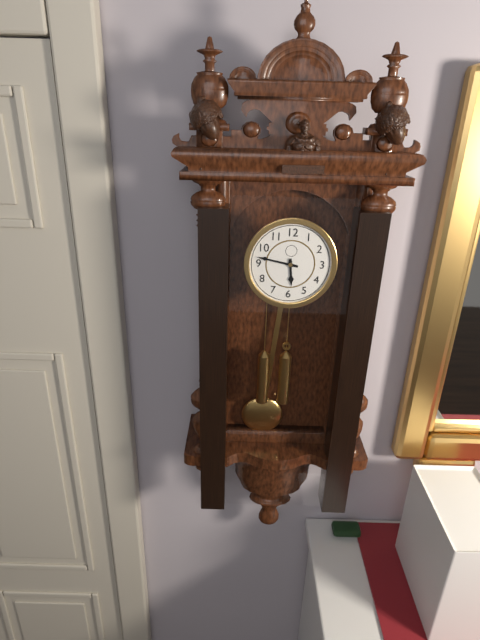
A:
5:47
